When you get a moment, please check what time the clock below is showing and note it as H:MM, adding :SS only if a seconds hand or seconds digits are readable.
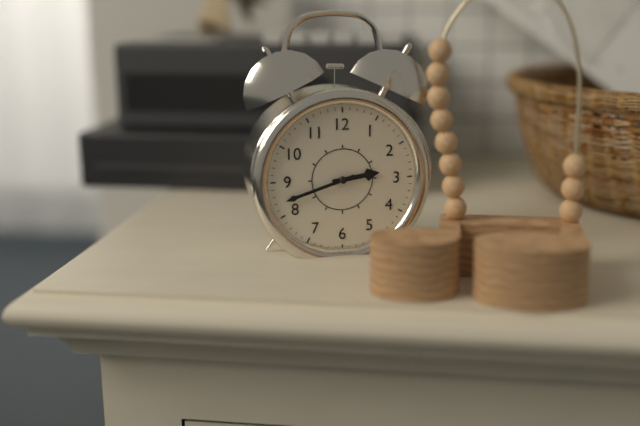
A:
2:42
